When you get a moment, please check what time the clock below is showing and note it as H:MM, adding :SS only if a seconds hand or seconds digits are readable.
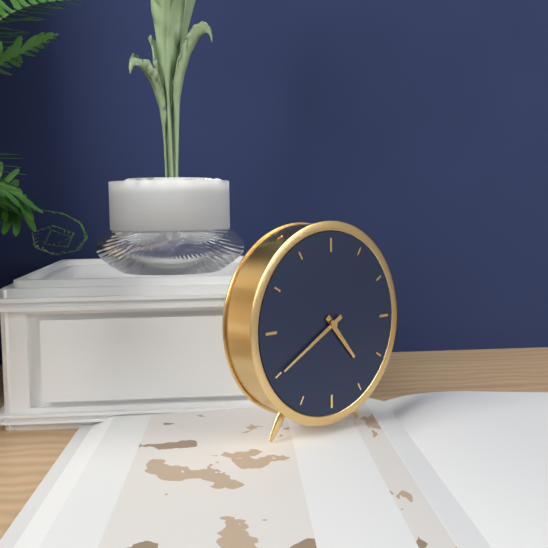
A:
4:40
